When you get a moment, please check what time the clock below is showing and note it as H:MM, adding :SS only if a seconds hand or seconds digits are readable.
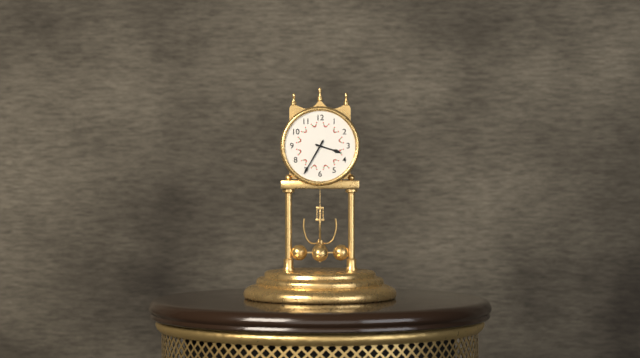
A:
3:35
